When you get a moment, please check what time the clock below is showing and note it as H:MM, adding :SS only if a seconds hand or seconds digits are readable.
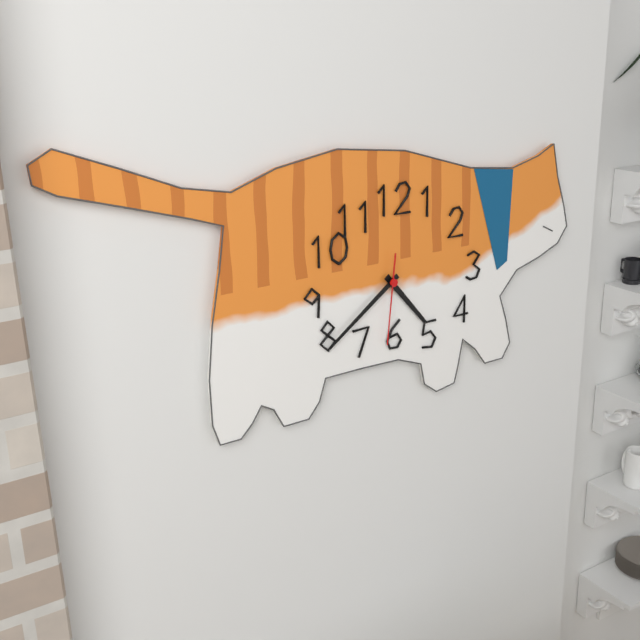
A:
4:39:31
